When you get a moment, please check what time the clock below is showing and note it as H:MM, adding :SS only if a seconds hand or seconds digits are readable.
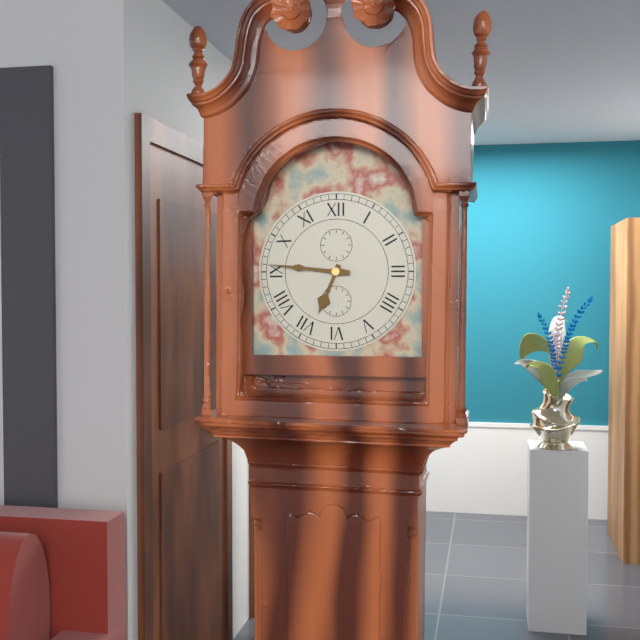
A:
6:46
